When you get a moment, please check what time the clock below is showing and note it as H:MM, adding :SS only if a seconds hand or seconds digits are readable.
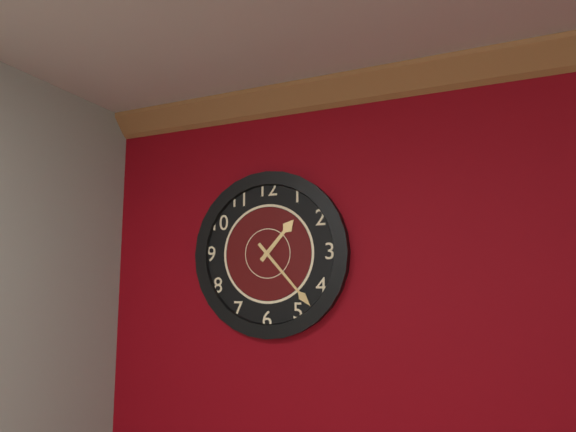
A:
1:23
